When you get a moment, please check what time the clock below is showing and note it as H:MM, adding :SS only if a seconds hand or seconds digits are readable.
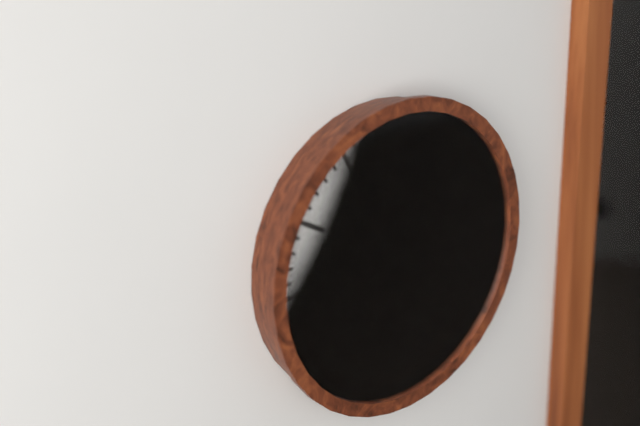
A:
3:08
